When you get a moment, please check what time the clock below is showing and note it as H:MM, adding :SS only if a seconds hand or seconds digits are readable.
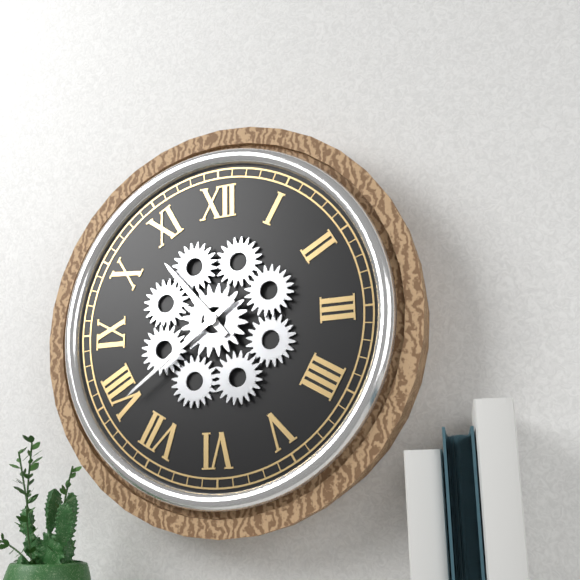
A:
10:39
